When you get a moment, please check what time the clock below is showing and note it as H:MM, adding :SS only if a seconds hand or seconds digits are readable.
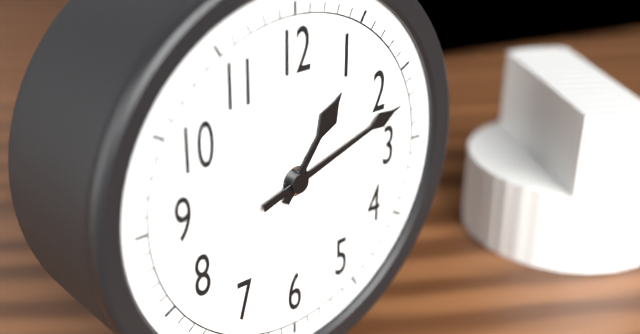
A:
1:12
